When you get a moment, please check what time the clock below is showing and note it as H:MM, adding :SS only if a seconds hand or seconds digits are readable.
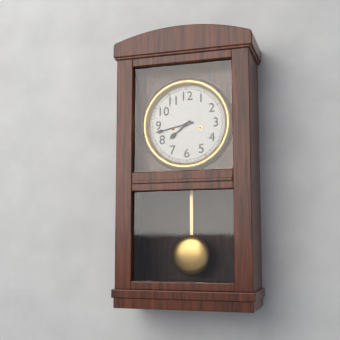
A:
7:43
